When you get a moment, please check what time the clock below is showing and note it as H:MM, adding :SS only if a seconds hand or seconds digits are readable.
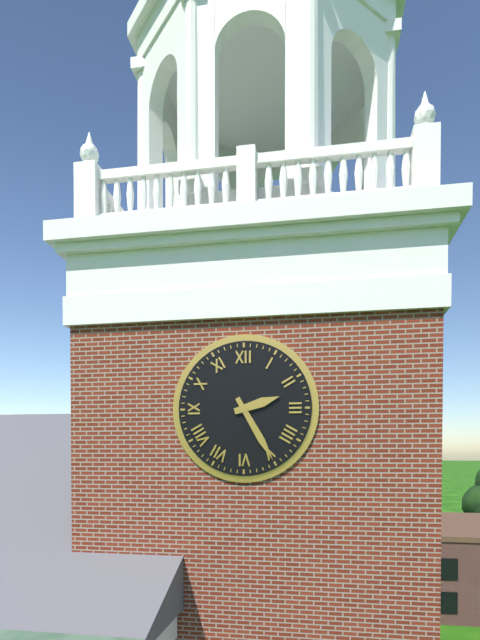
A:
2:25
